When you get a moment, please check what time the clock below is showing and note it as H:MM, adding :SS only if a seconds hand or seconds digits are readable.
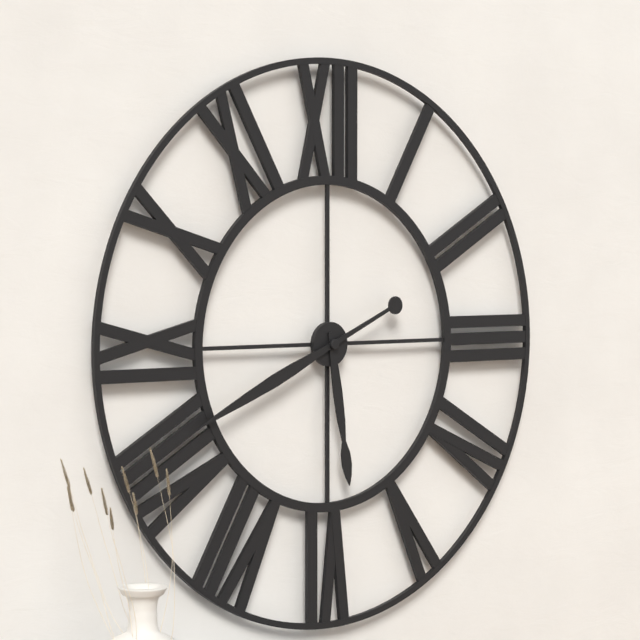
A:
5:41
